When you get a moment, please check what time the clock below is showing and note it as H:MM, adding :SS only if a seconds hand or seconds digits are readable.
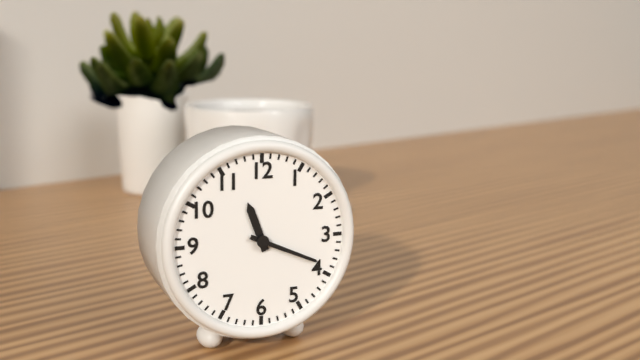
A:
11:19
